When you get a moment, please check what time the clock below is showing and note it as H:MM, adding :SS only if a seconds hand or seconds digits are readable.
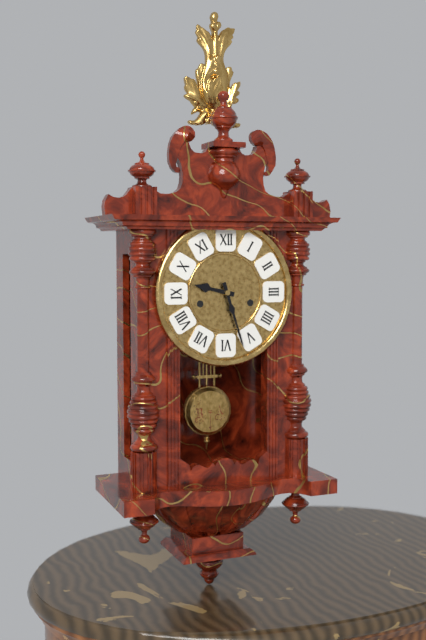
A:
9:27
